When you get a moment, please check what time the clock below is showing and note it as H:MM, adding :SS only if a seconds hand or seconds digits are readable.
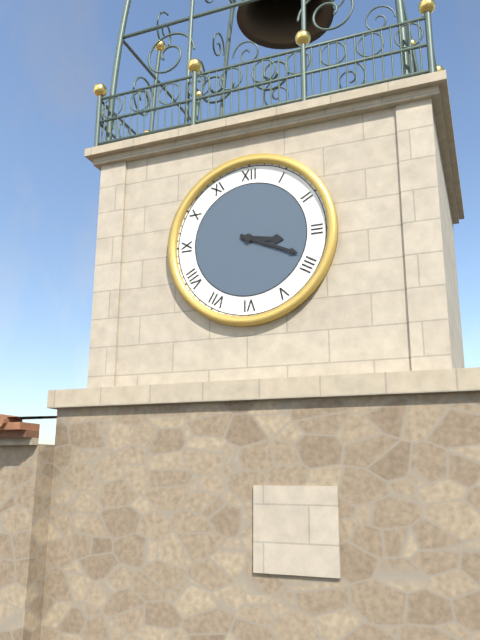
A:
3:19
